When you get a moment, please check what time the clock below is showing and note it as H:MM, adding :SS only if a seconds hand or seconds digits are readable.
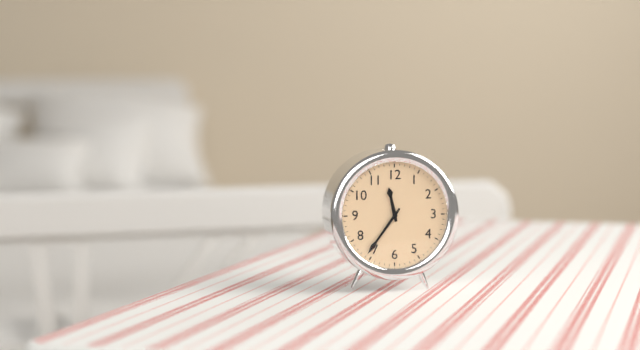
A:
11:36
